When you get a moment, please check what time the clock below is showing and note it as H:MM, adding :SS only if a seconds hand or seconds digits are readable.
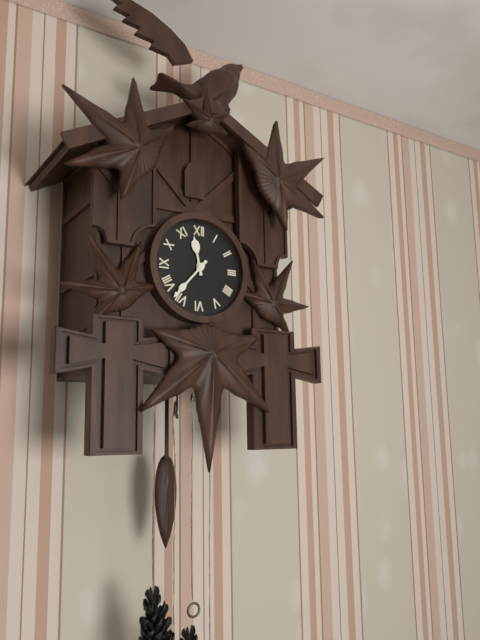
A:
11:37
